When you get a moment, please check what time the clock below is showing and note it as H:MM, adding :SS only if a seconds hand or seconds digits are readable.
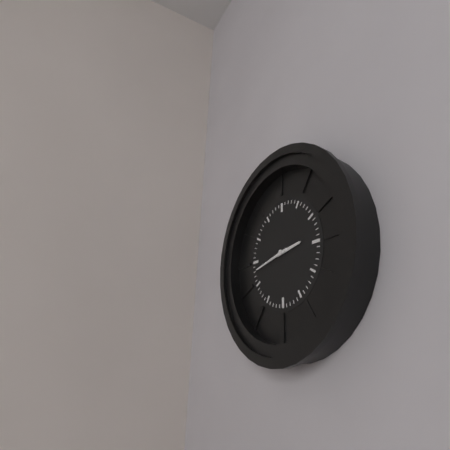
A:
2:43
